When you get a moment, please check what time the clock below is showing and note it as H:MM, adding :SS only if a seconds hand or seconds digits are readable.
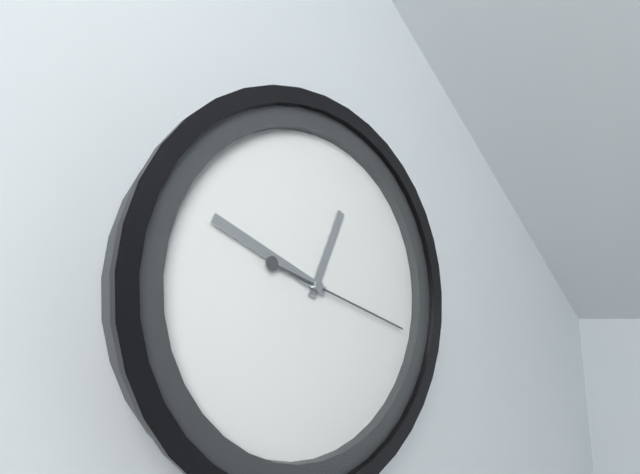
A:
12:49:18
